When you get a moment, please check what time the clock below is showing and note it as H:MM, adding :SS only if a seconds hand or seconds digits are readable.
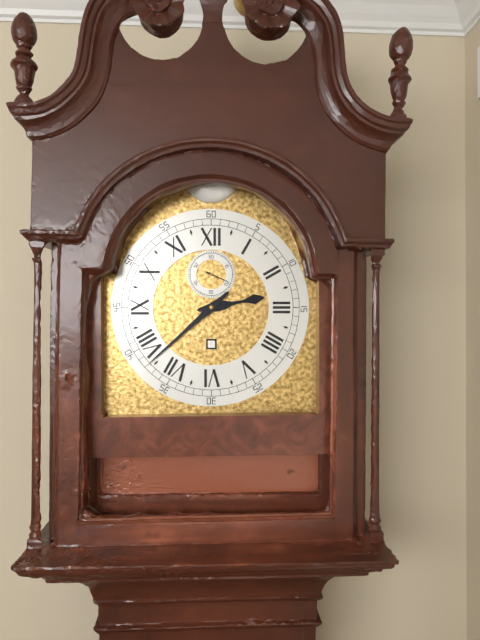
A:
2:38
